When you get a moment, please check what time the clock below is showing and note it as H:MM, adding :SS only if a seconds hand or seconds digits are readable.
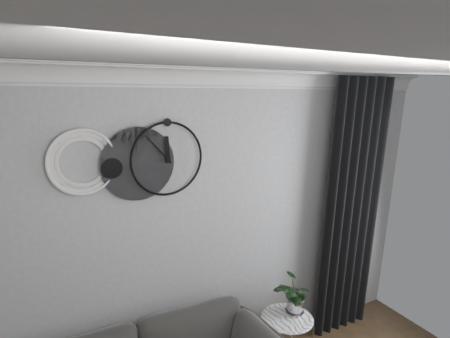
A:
11:53
